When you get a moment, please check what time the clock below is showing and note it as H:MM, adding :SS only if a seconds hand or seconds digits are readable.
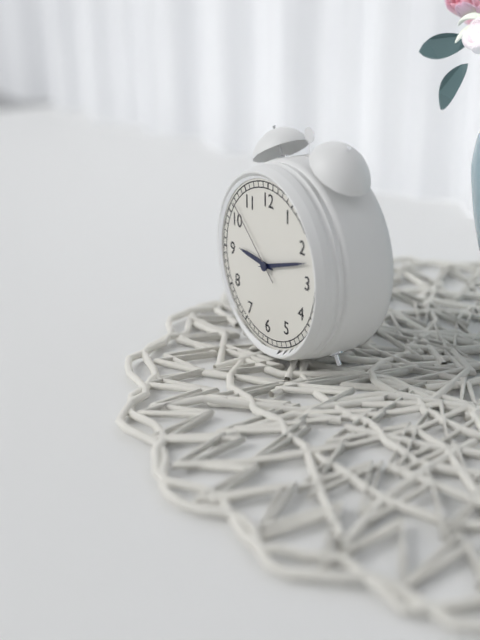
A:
9:12:52
